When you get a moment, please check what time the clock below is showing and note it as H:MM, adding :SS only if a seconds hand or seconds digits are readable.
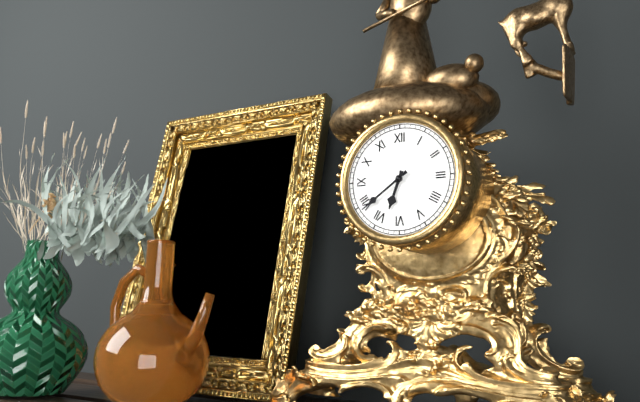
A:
6:39
